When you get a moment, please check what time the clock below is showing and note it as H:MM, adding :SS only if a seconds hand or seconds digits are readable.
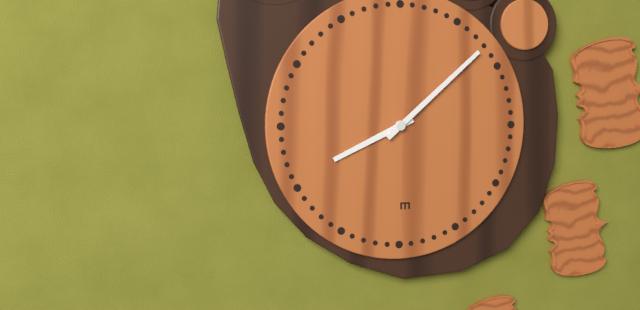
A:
8:08
